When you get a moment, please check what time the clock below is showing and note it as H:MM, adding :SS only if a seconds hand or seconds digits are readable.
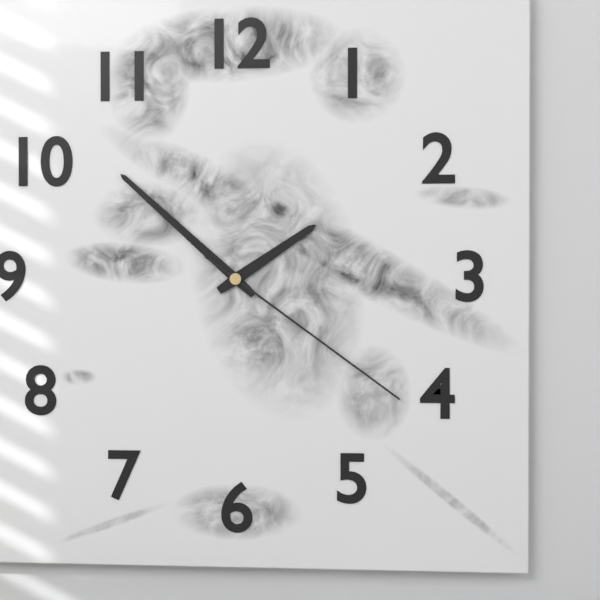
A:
1:52:21
